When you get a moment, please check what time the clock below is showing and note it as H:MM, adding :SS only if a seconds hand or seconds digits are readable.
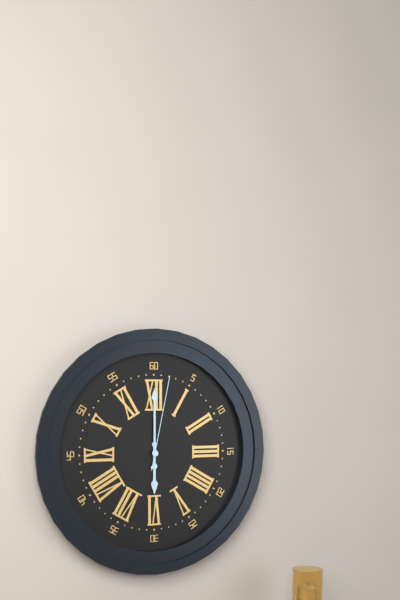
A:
6:00:02
